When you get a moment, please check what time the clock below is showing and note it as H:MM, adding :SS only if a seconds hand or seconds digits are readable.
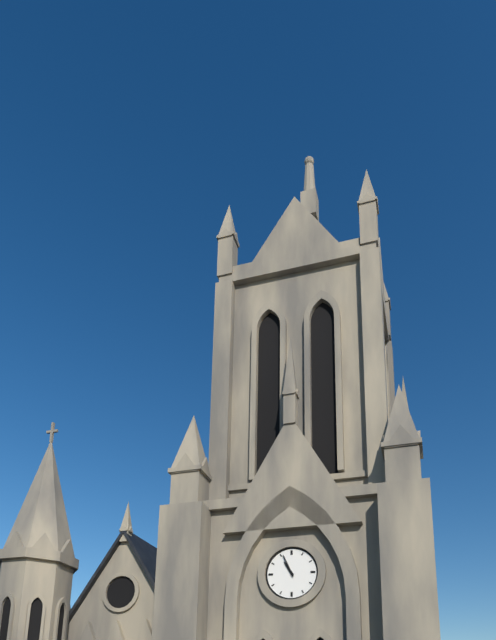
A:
10:56
